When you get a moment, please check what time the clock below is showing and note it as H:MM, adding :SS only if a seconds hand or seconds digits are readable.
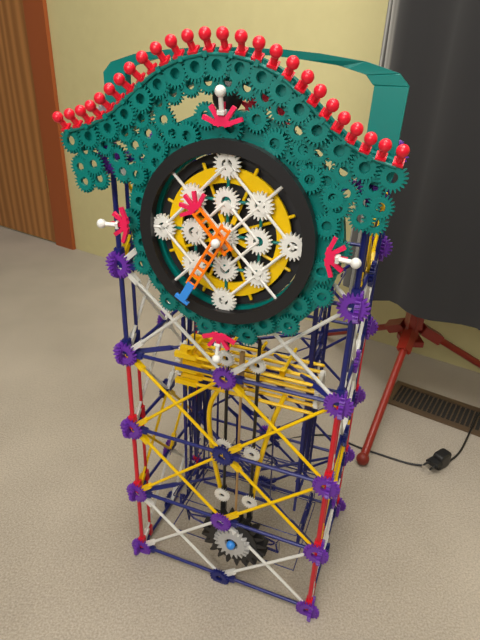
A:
10:35
